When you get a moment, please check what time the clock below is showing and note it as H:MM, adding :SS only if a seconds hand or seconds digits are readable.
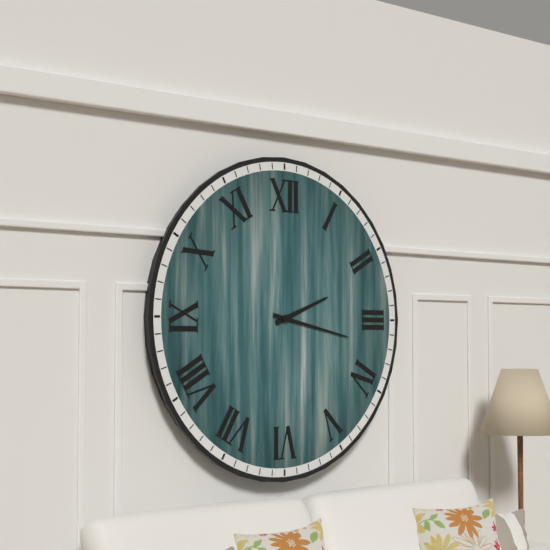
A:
2:17
